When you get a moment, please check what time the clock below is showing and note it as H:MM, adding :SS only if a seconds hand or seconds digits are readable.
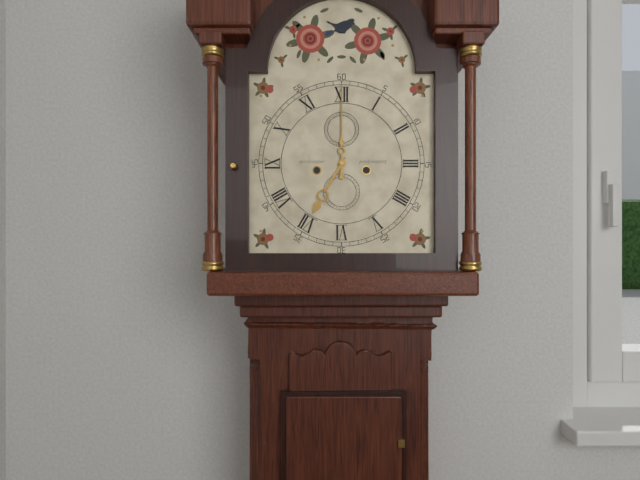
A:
7:00
